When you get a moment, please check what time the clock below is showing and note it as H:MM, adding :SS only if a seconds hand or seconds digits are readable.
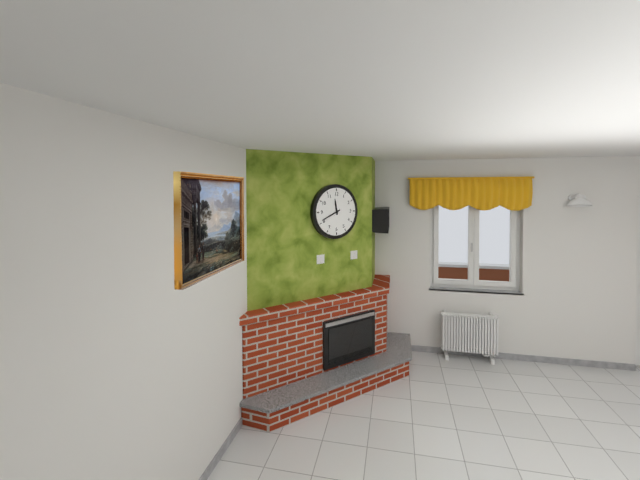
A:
11:41
